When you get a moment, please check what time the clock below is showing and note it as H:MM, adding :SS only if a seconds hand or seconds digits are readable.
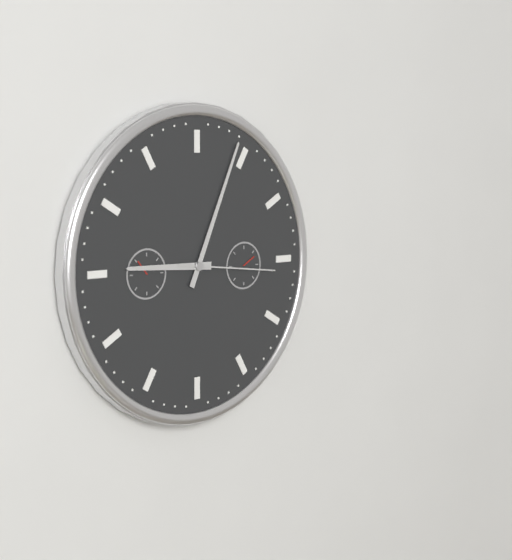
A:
9:04:16
